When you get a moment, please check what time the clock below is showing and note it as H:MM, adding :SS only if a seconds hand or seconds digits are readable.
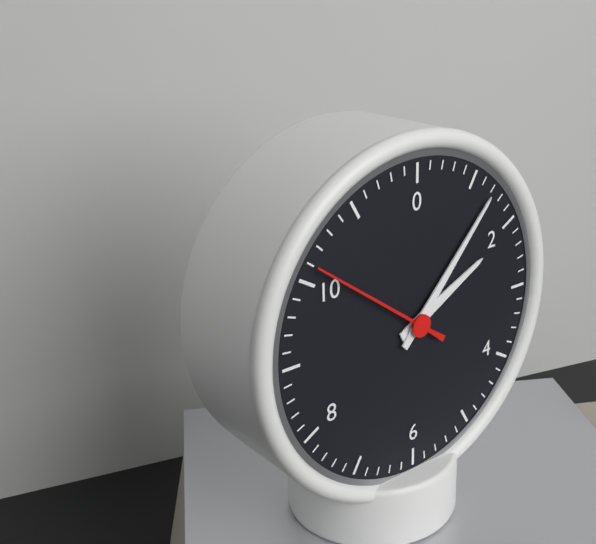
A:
2:07:51
